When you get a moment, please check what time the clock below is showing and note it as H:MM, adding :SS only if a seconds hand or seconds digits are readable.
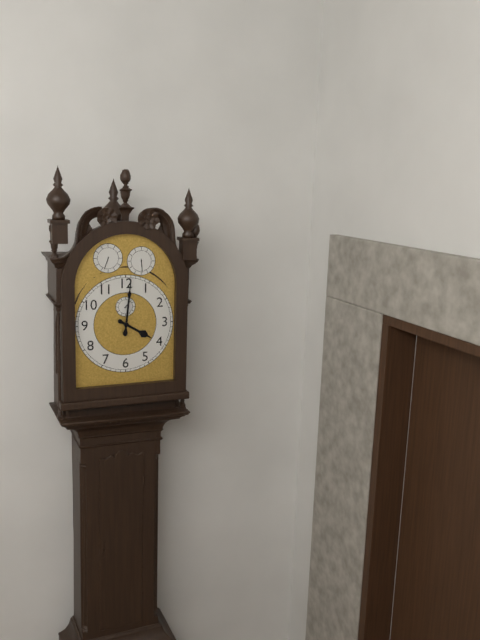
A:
4:01
